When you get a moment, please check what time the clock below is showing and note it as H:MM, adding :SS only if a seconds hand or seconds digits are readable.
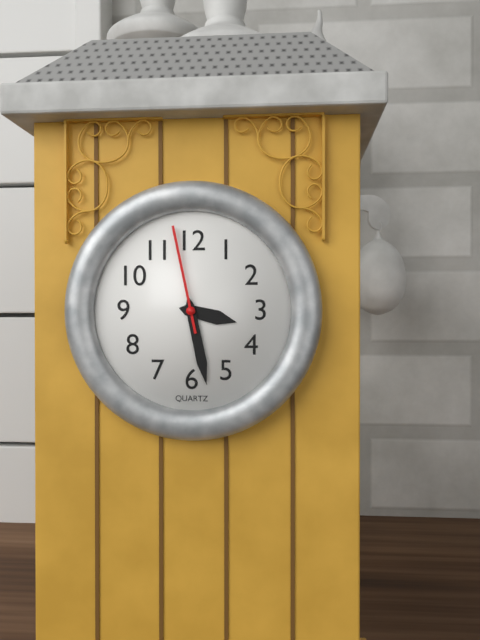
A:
3:28:58
